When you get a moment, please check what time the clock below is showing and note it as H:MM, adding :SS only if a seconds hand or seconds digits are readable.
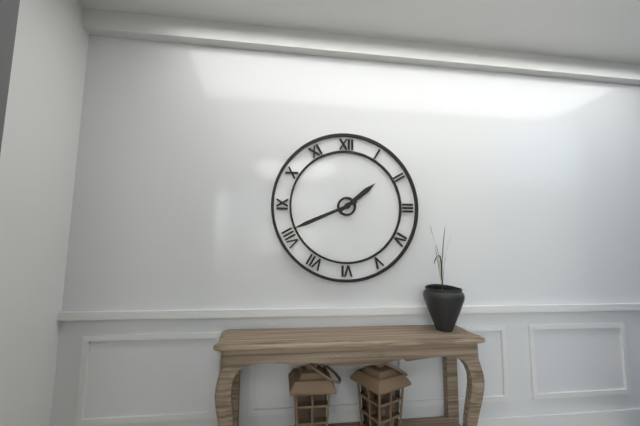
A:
1:41
